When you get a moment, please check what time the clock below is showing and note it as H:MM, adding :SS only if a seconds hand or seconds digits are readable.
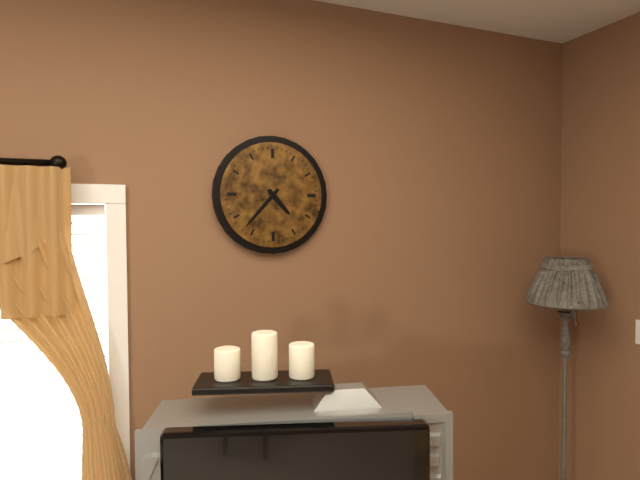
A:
4:37
